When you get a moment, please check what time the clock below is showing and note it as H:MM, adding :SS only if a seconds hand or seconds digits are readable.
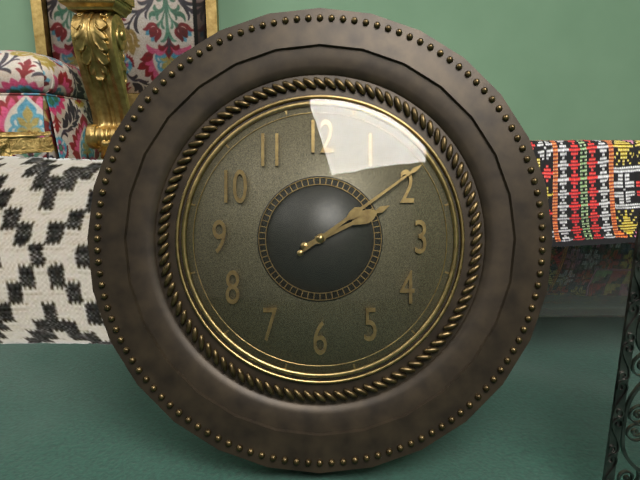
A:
2:09
